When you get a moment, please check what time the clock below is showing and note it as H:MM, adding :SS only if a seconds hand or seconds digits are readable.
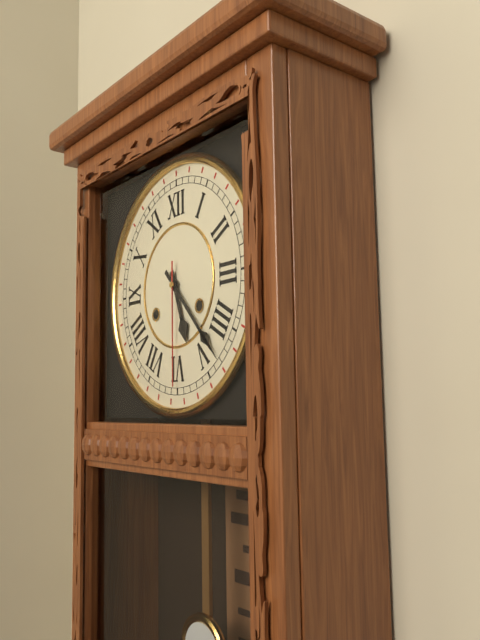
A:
5:23:30
